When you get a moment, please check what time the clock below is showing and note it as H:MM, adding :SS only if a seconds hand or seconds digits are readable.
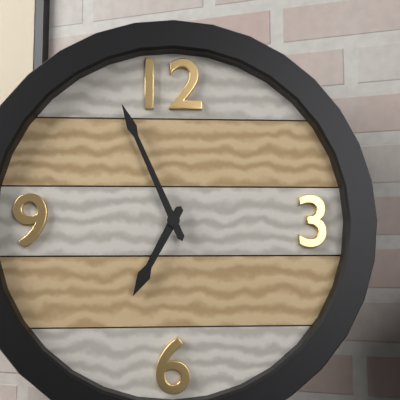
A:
6:56
